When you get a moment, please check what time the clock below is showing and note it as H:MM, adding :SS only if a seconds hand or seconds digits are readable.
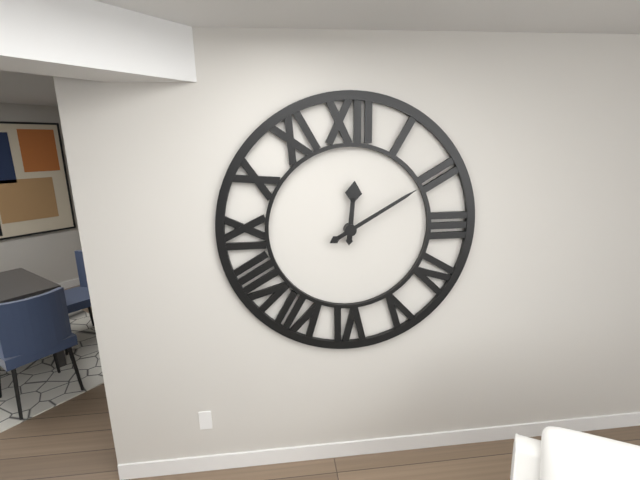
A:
12:10
